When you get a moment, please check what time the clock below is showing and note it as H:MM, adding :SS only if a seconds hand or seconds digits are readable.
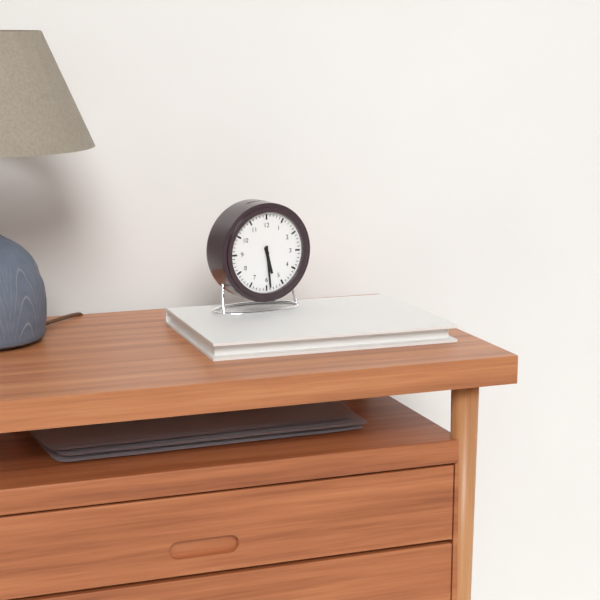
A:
5:29
